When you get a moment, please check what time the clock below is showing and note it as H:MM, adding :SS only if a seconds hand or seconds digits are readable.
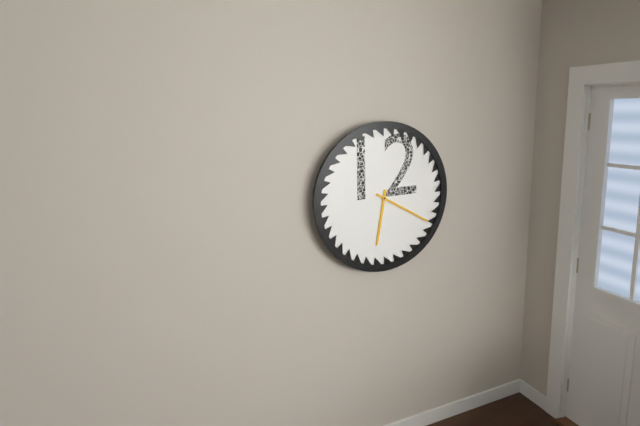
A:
6:20
